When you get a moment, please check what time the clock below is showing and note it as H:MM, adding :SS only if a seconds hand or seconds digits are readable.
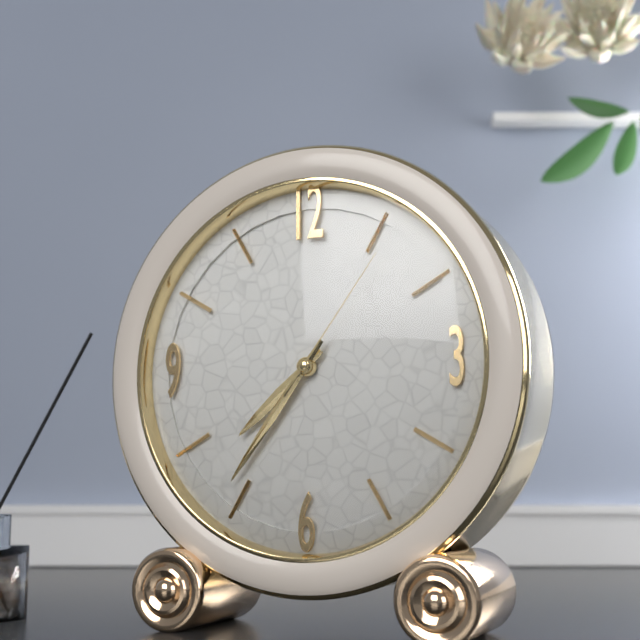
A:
7:36:06
